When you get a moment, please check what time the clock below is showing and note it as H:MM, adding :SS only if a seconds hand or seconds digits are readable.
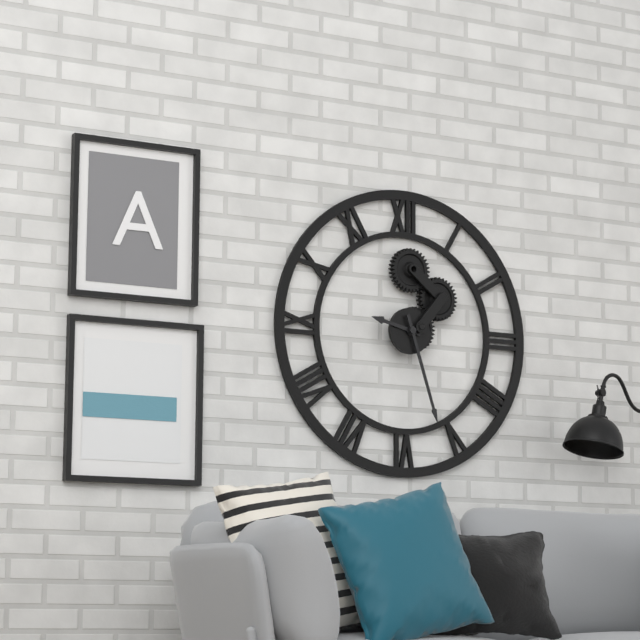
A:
9:27
